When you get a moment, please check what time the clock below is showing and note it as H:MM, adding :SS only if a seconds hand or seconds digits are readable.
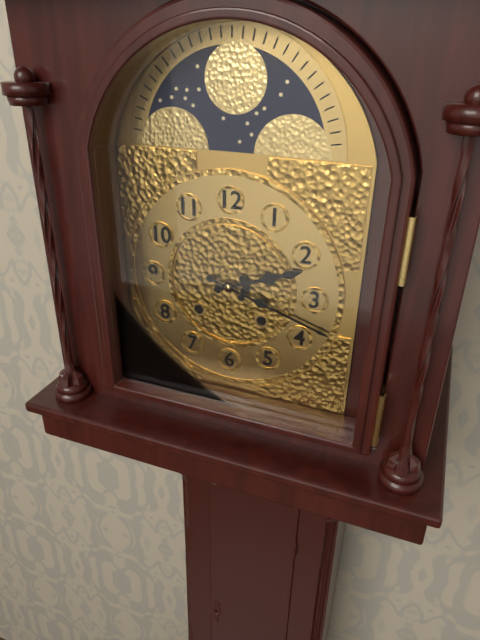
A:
2:18
